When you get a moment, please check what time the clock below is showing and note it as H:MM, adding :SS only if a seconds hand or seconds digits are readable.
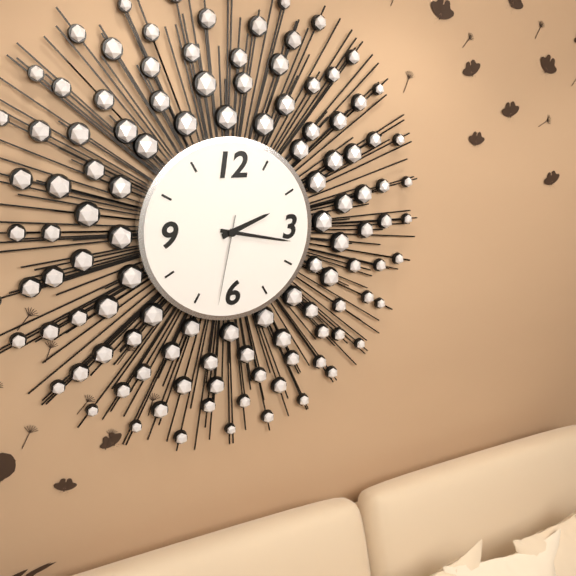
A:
2:17:32
